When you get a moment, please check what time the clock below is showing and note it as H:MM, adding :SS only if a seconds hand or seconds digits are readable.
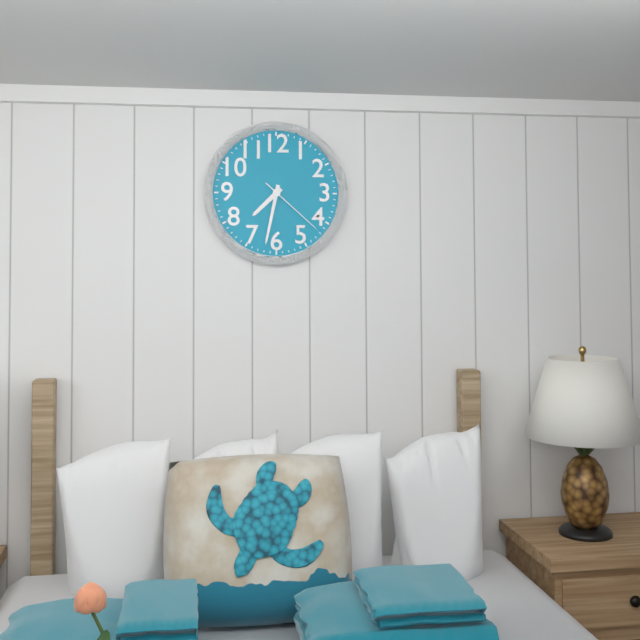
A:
7:32:22
